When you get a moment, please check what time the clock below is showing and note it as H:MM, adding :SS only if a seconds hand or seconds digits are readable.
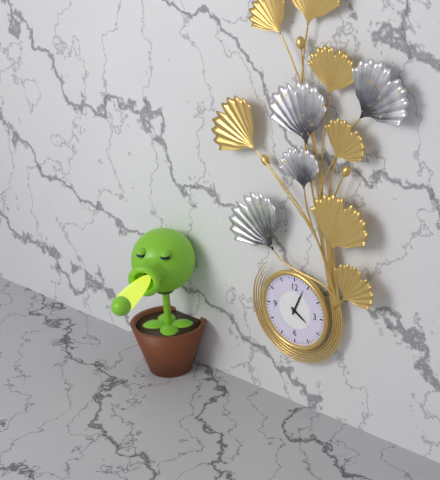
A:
4:04
